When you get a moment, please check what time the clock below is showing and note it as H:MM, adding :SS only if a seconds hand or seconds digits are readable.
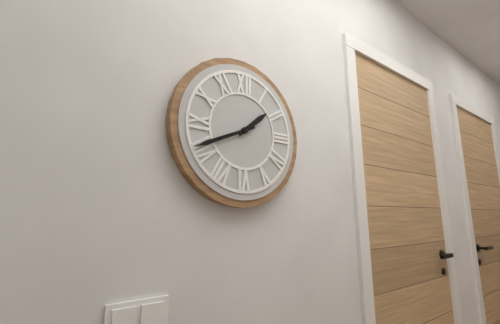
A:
1:41
